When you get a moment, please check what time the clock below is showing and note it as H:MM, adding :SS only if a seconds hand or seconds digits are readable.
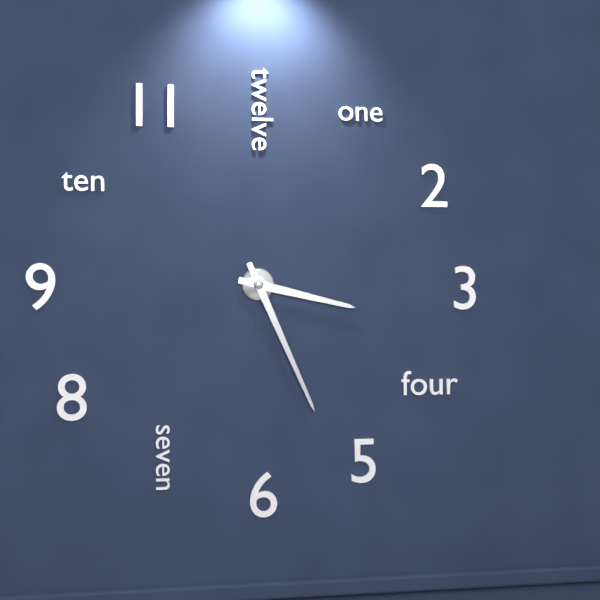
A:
3:26
